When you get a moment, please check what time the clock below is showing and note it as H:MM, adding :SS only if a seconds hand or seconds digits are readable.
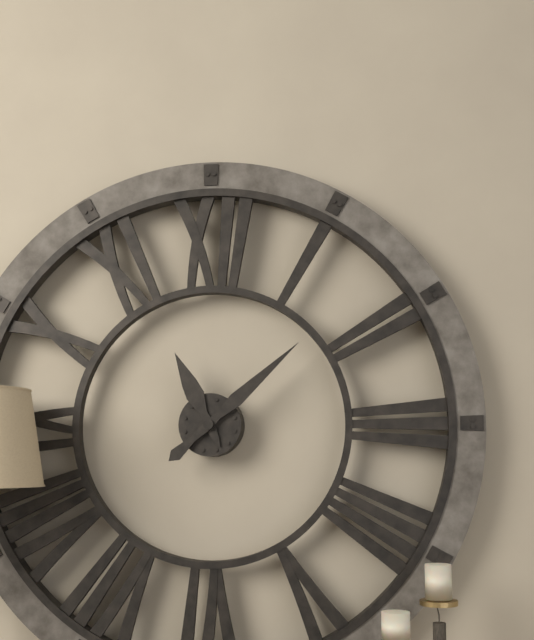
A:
11:08
